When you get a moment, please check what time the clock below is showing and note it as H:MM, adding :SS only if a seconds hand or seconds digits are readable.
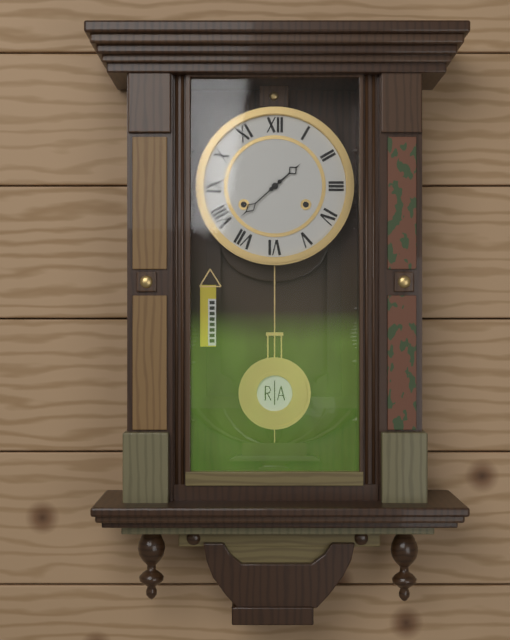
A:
1:38
